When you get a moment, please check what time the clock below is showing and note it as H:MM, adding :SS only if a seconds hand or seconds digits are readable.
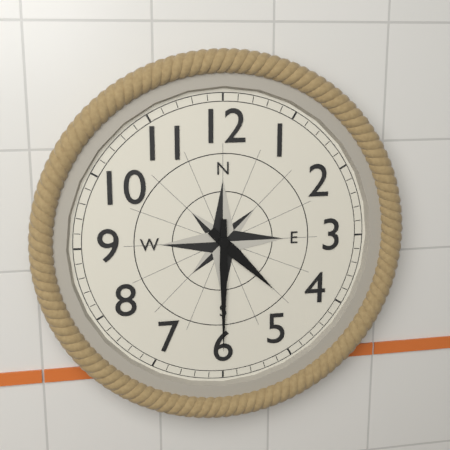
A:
4:30
